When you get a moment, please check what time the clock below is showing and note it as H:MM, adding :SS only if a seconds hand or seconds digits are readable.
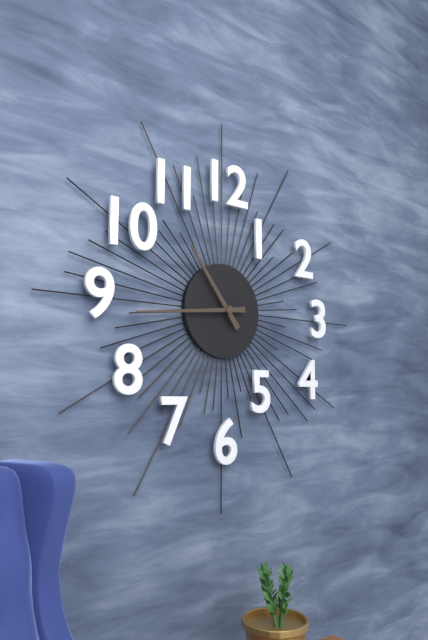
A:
10:44
